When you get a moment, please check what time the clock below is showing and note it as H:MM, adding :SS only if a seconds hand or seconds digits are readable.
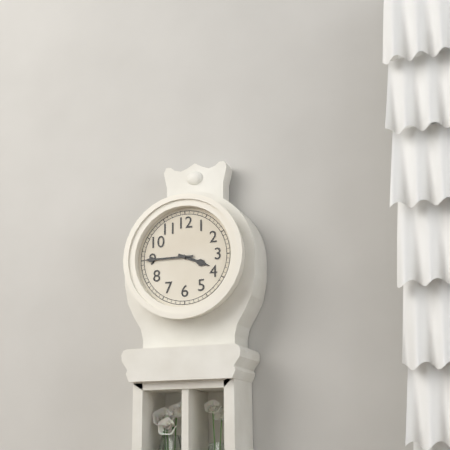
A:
3:45
